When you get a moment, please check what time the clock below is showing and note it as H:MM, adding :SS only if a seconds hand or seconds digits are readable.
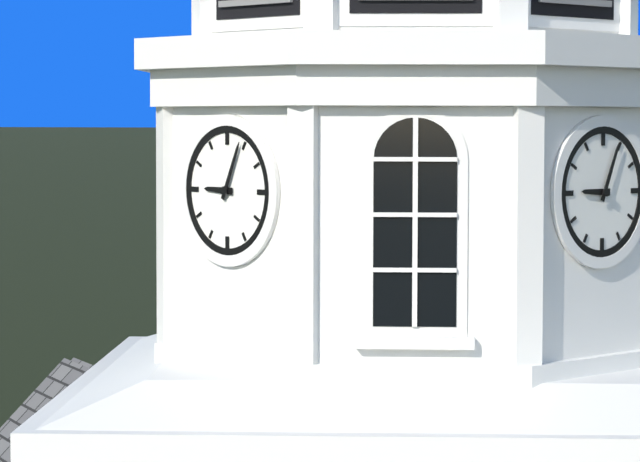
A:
9:04
